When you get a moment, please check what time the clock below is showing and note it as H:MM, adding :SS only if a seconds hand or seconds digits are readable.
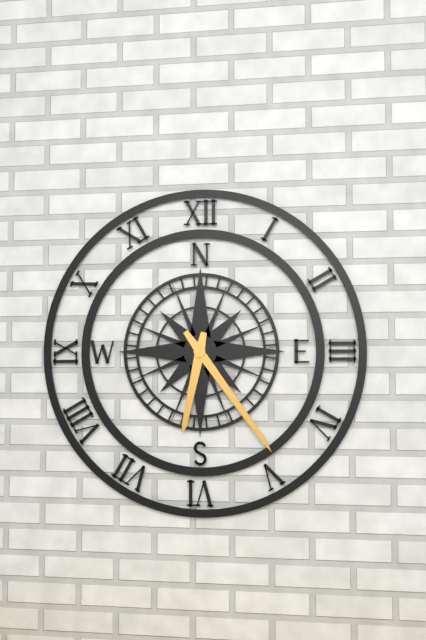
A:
6:24
